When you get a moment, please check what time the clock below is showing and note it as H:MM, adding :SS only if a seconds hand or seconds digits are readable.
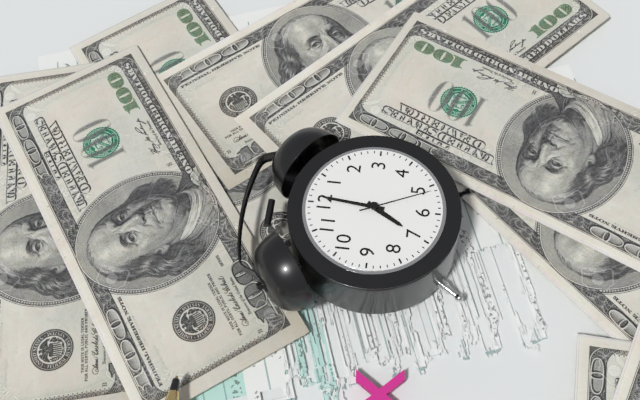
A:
7:01:26
